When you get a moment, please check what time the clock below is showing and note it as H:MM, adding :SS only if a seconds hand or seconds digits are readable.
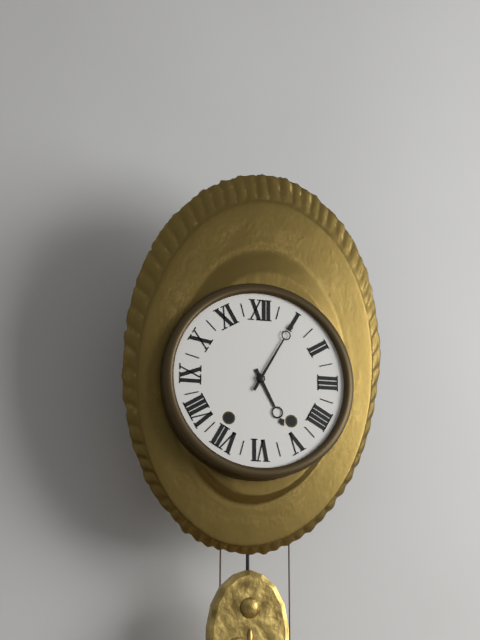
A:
5:05
